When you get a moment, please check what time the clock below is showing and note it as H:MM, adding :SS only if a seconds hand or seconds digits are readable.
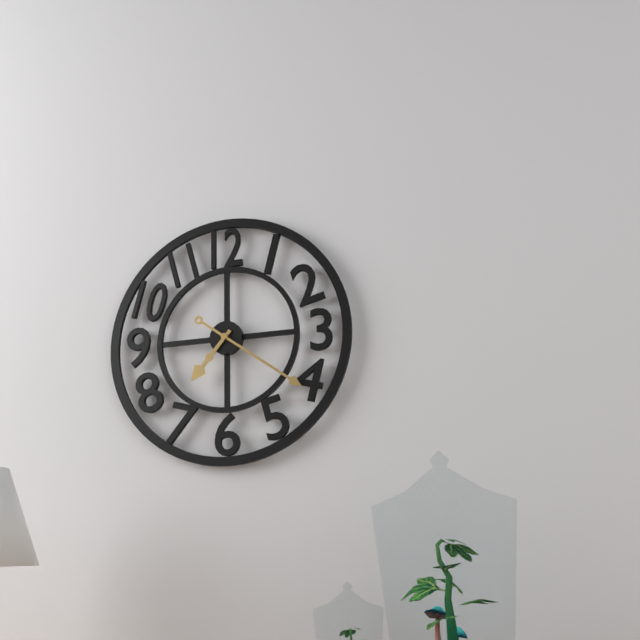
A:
7:21
